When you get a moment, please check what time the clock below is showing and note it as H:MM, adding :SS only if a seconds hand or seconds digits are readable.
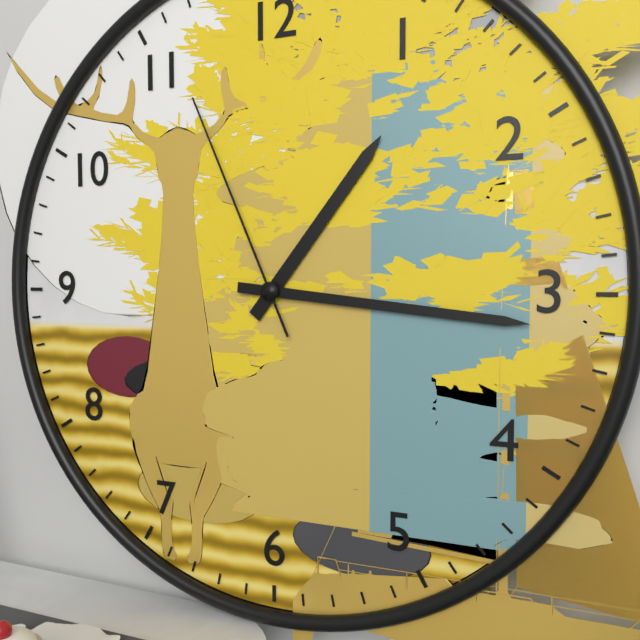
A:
1:16:56
